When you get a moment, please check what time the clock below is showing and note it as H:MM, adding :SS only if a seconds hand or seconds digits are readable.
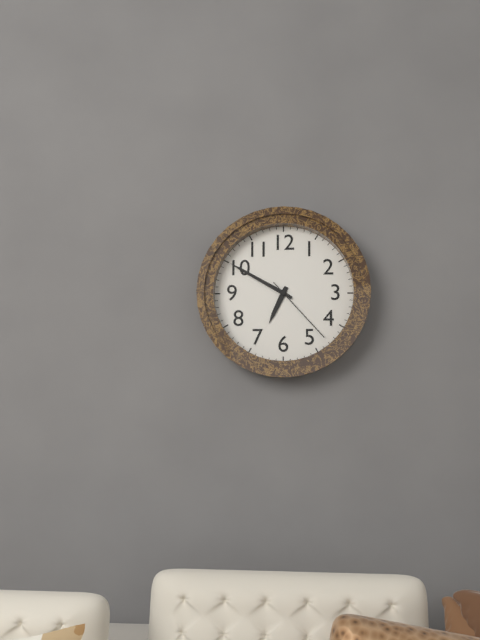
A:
6:50:23
